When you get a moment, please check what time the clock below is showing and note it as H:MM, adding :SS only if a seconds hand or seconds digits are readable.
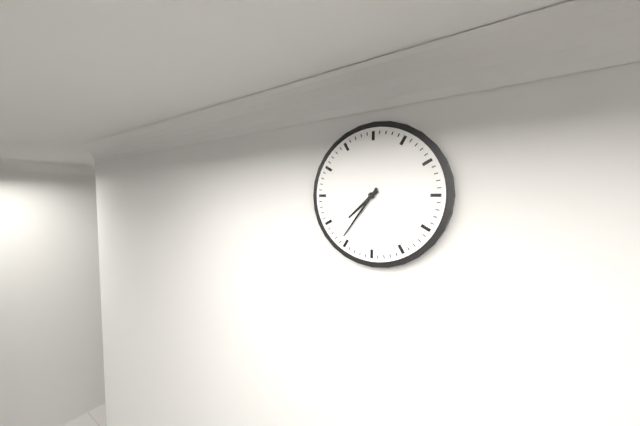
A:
7:36
